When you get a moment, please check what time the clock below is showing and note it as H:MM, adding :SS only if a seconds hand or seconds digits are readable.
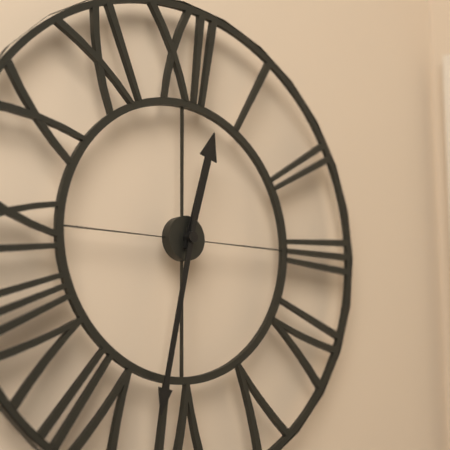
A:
12:32
